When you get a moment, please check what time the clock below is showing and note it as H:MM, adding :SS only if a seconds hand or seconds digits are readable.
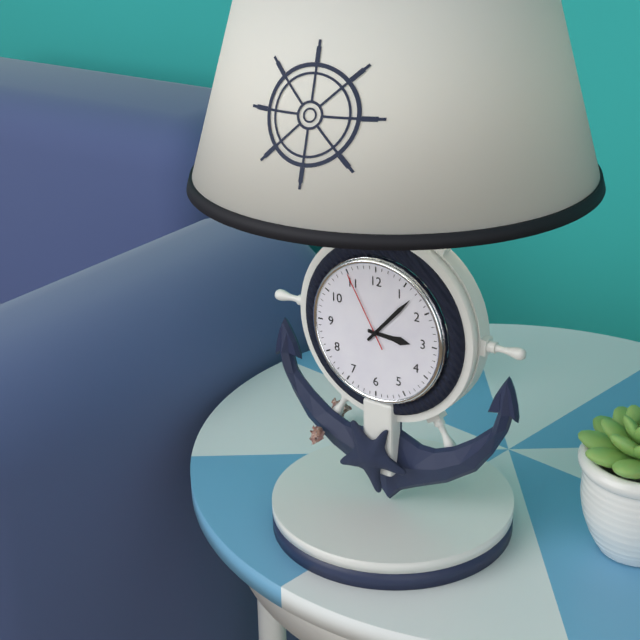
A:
3:07:55
